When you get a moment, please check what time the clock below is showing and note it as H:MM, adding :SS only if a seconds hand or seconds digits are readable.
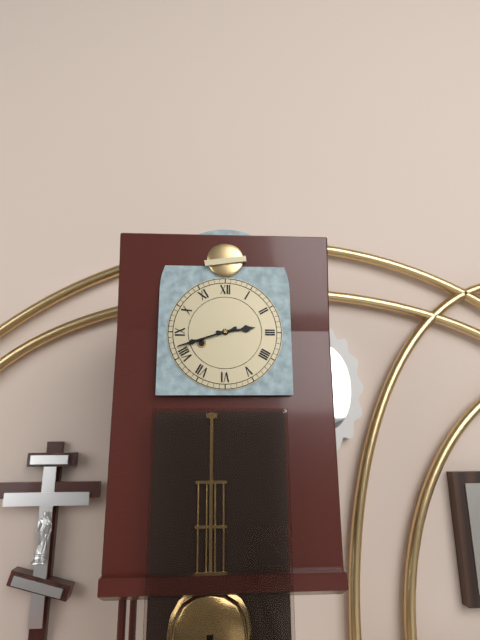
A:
2:42
